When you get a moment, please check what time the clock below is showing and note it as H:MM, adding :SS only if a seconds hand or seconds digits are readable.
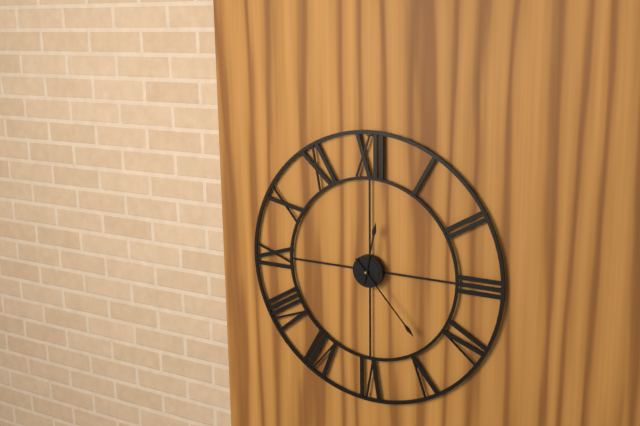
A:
12:23
